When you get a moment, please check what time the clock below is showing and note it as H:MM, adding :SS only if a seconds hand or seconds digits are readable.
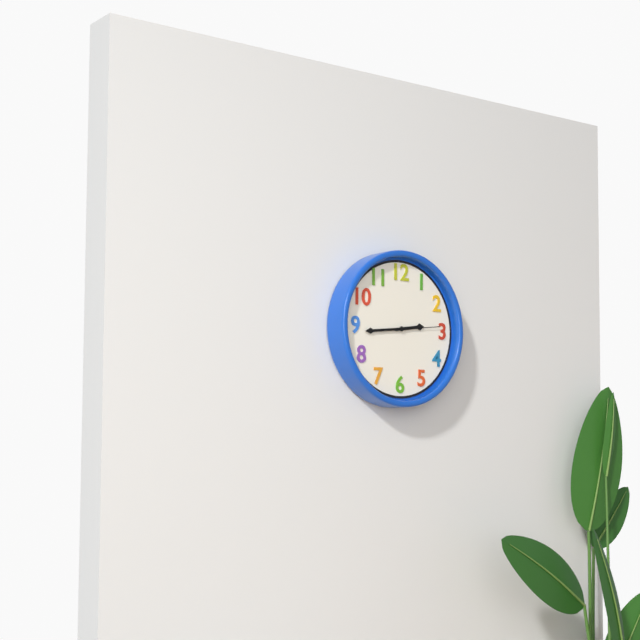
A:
2:44
